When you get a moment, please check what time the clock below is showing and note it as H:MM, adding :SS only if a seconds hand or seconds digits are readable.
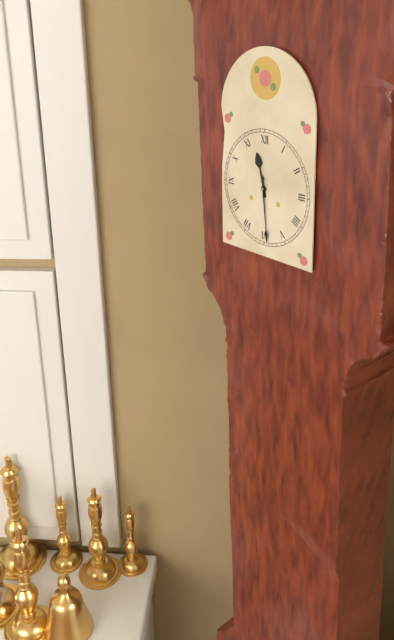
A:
11:29
